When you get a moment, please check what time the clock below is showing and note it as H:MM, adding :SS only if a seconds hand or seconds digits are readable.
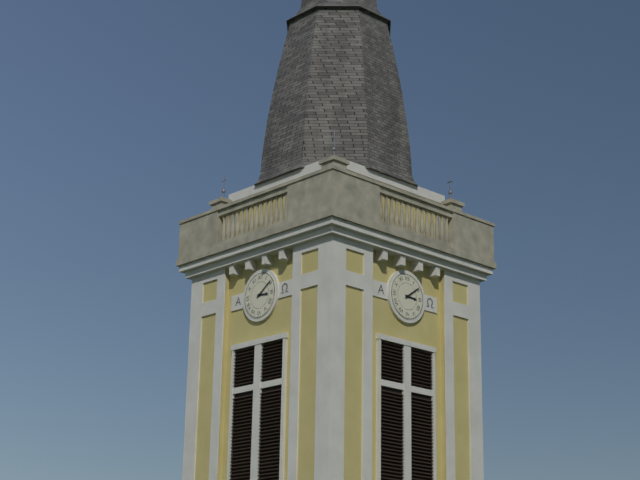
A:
3:09
